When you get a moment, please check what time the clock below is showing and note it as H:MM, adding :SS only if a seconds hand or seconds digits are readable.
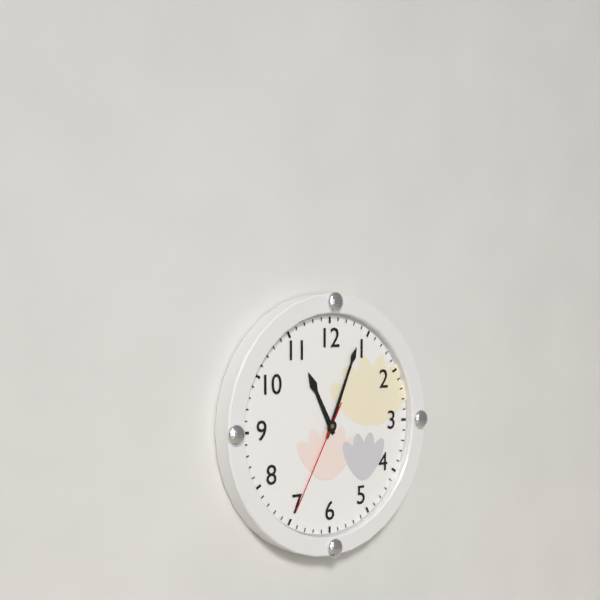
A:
11:04:35
